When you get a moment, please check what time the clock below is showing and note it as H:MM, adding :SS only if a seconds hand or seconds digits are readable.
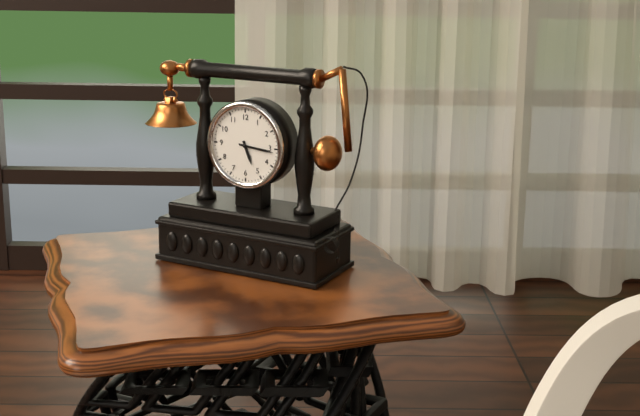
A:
5:16
